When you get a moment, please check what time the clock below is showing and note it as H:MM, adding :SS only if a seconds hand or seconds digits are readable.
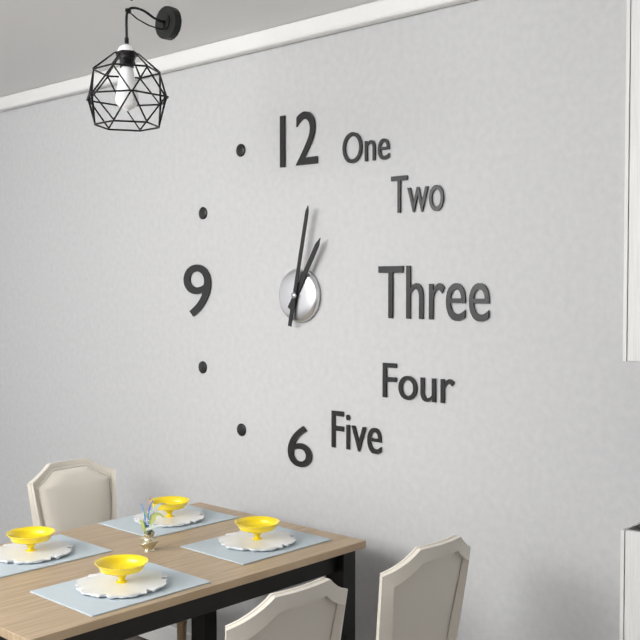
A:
1:02
